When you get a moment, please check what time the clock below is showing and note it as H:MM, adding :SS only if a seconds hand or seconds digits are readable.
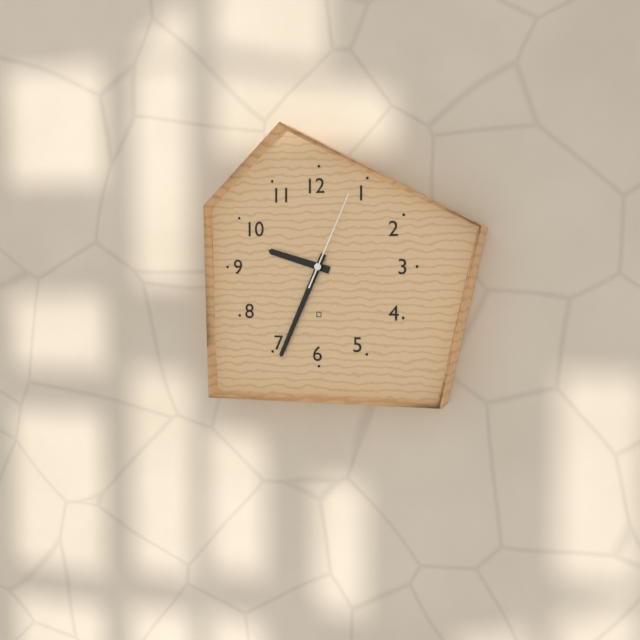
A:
9:34:04
